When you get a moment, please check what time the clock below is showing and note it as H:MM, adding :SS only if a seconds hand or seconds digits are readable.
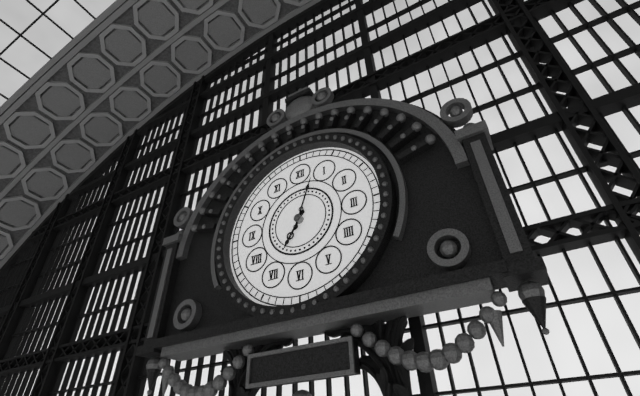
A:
7:03
